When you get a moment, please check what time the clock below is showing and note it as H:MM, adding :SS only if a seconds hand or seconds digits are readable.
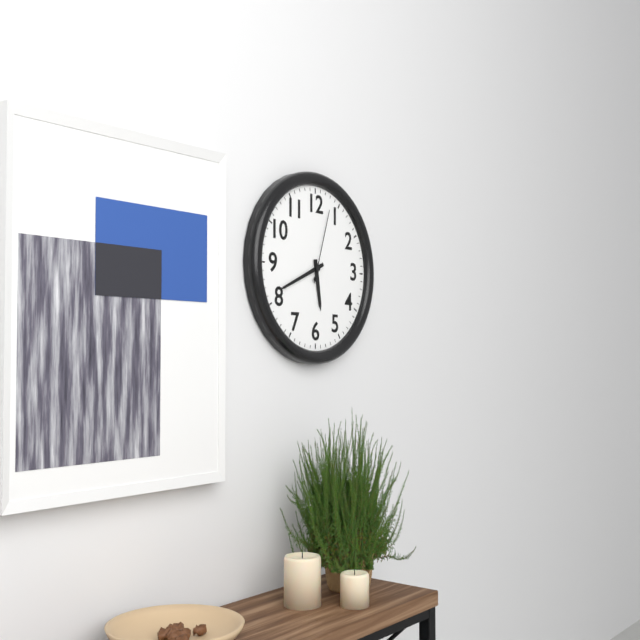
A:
5:41:03
